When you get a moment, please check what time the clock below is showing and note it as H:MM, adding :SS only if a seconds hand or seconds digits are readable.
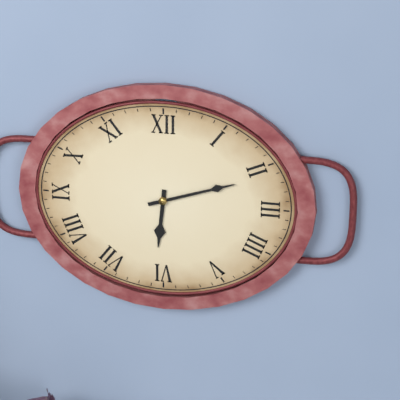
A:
6:12
